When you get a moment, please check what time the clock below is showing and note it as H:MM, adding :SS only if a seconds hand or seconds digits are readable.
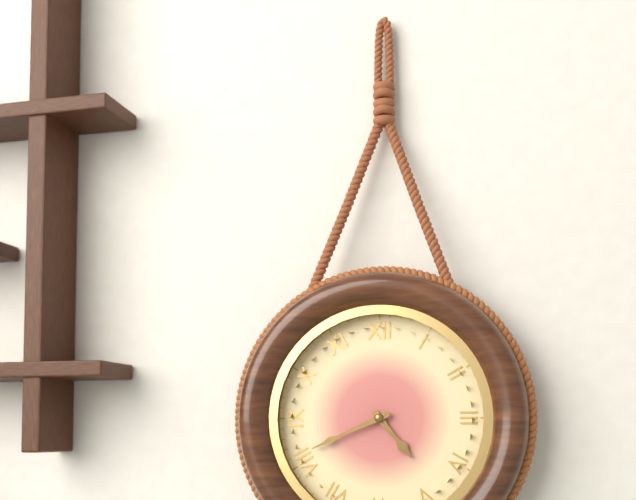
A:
4:41
